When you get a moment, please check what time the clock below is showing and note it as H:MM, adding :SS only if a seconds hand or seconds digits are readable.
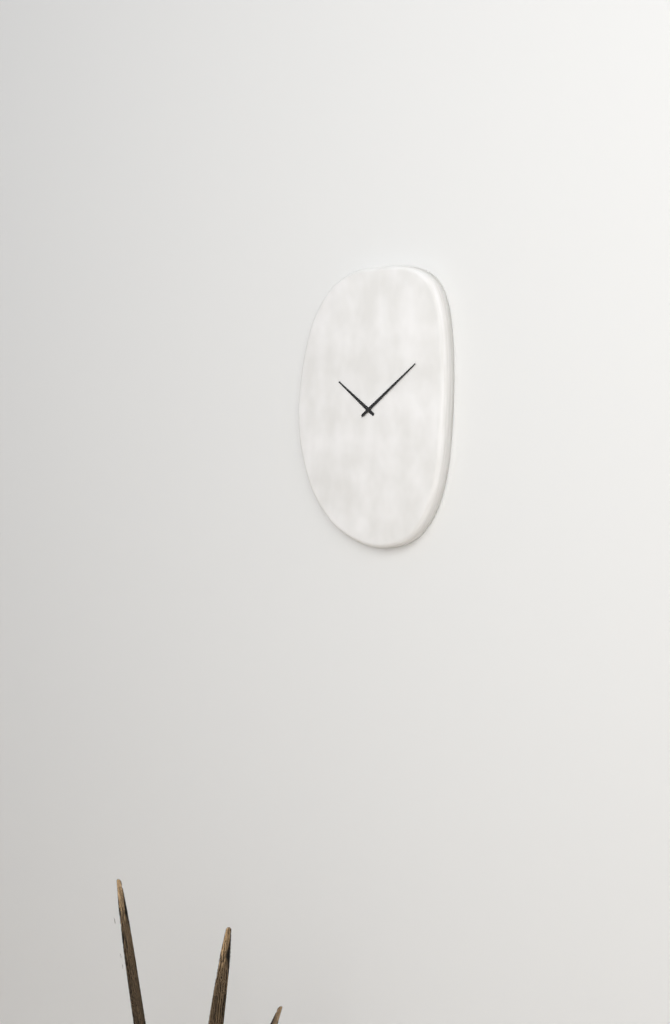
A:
10:09
